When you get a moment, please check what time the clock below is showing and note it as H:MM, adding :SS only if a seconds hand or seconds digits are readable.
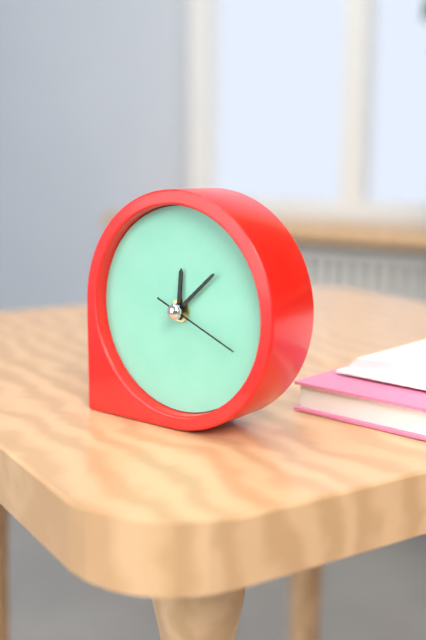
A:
12:08:19
